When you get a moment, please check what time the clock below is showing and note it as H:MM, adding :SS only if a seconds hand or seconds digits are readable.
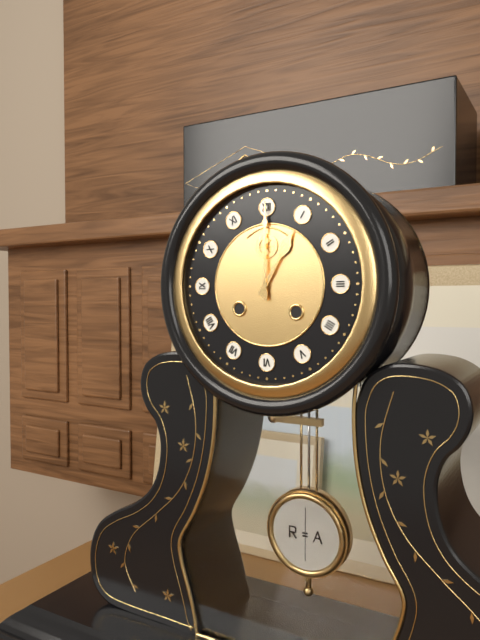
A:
1:00
